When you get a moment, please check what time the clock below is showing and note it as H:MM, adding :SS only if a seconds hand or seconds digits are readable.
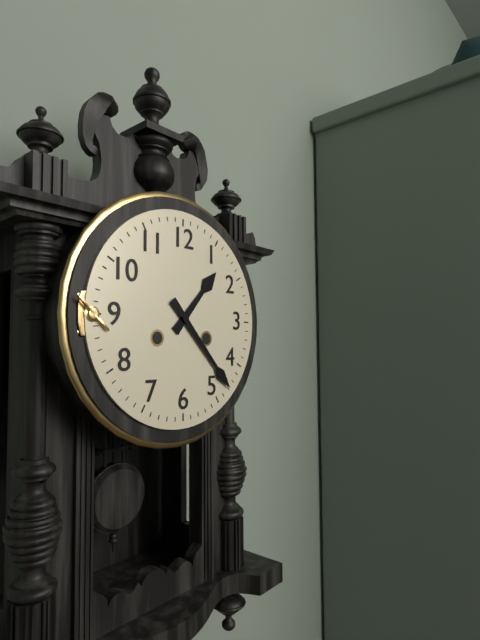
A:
1:23
